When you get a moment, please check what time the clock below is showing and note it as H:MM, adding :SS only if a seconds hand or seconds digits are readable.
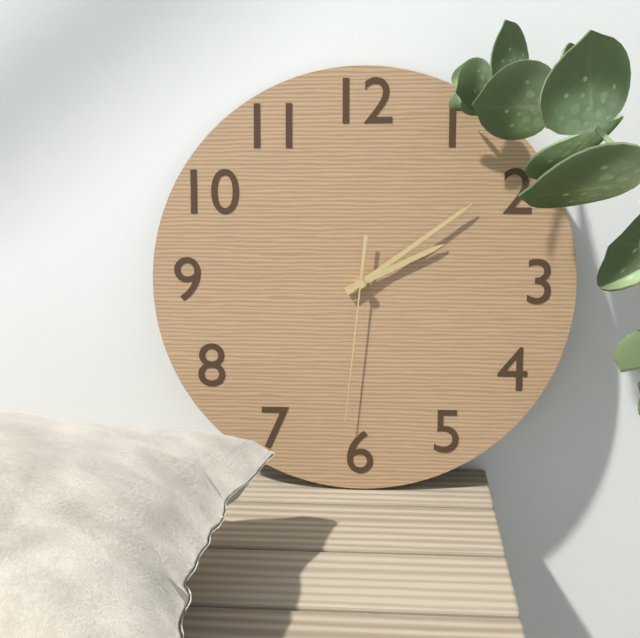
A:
2:09:31
